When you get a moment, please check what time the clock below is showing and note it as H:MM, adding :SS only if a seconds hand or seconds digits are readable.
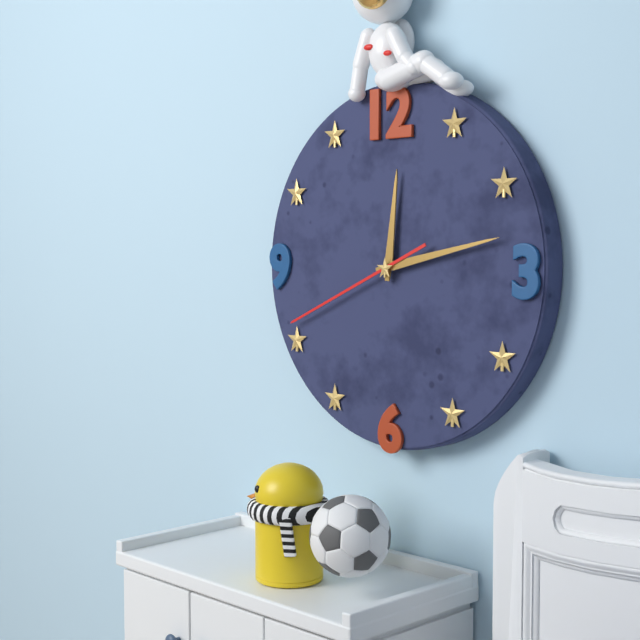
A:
12:13:41
